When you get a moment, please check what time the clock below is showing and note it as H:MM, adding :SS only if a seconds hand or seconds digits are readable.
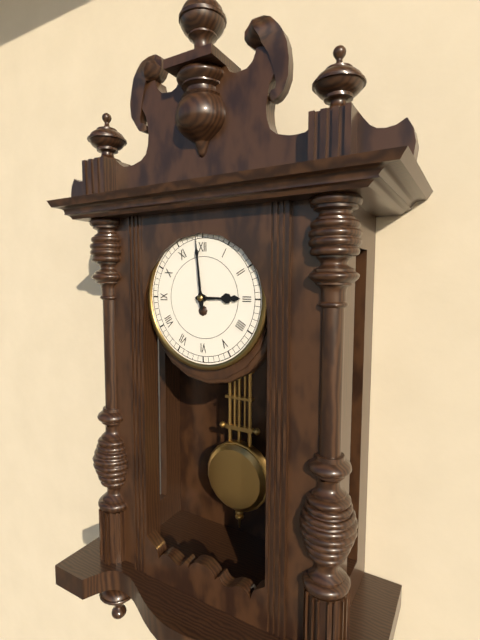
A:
2:59
